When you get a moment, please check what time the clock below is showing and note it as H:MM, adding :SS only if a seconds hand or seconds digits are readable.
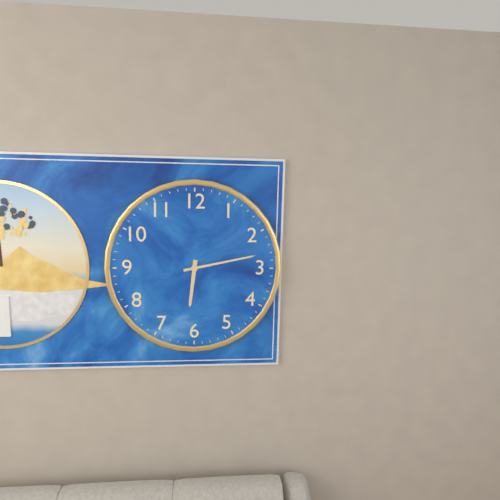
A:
6:13
